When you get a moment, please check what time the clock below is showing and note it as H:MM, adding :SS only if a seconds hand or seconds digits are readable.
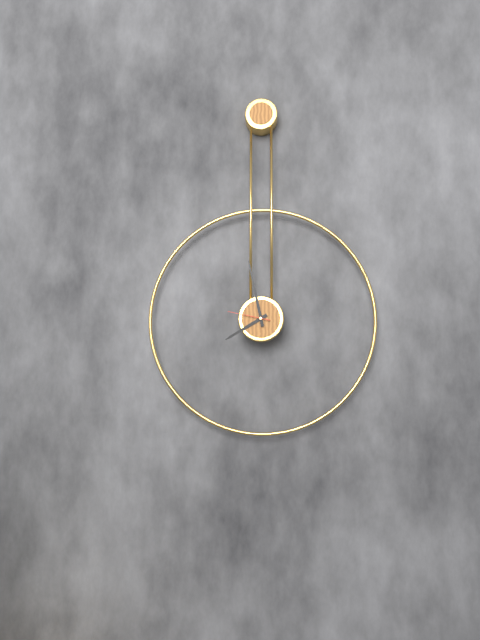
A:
7:58
